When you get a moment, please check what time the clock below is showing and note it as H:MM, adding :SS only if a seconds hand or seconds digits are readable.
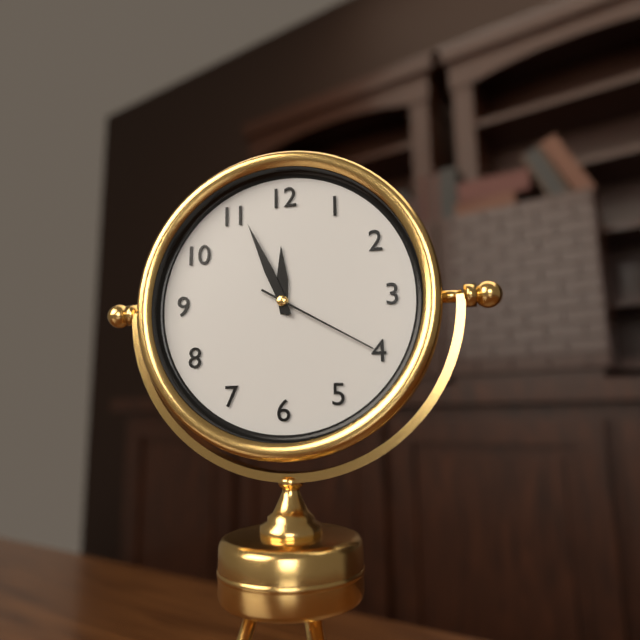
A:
11:56:20
